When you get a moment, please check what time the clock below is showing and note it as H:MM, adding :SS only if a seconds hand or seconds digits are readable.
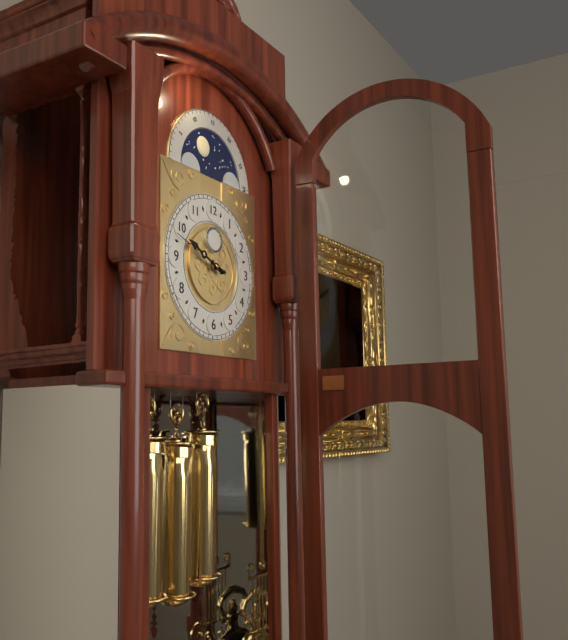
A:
9:48
